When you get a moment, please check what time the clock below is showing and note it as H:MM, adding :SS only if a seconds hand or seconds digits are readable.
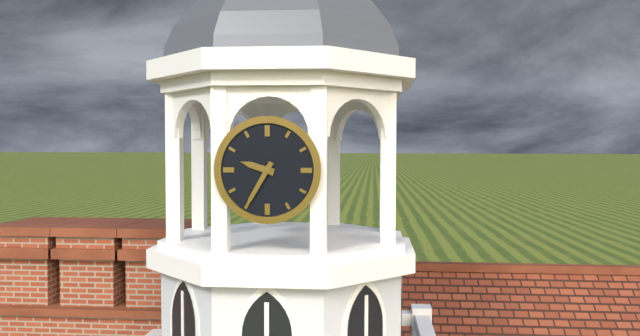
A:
9:35
